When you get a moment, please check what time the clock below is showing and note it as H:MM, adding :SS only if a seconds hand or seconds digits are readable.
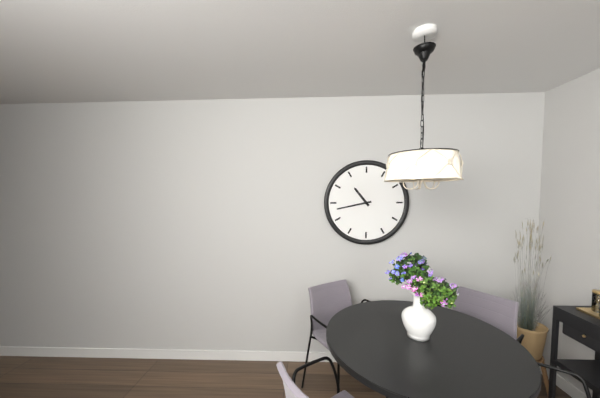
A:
10:43
